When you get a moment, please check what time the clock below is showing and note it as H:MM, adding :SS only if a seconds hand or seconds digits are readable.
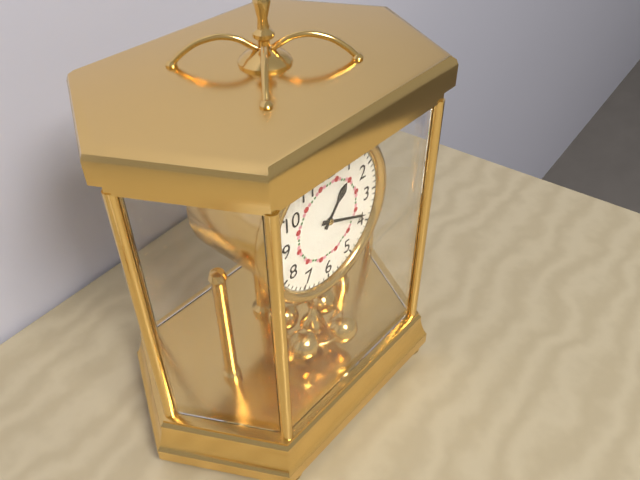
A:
1:19
